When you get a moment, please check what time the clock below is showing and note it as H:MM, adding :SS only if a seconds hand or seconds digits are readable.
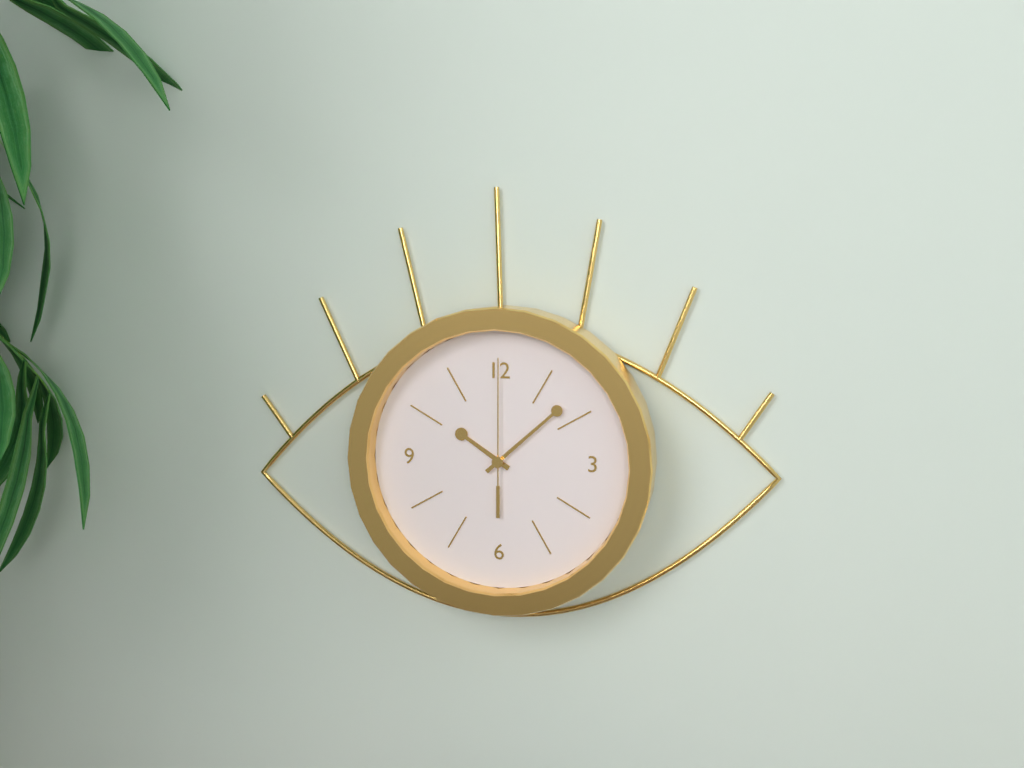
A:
10:08:00
